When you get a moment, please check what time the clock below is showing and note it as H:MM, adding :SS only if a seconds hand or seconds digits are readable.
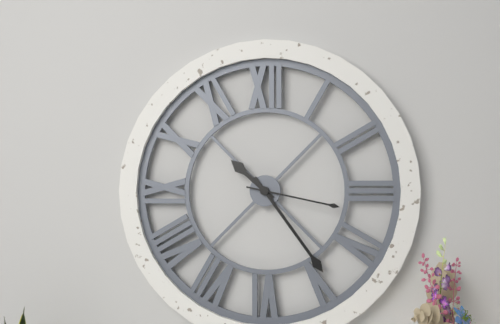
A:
10:24:17
